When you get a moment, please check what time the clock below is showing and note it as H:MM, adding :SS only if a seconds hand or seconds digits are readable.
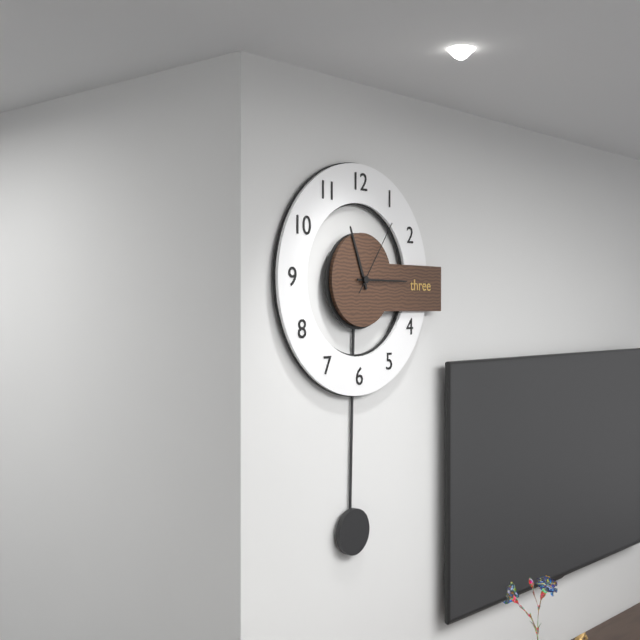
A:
11:15:06
